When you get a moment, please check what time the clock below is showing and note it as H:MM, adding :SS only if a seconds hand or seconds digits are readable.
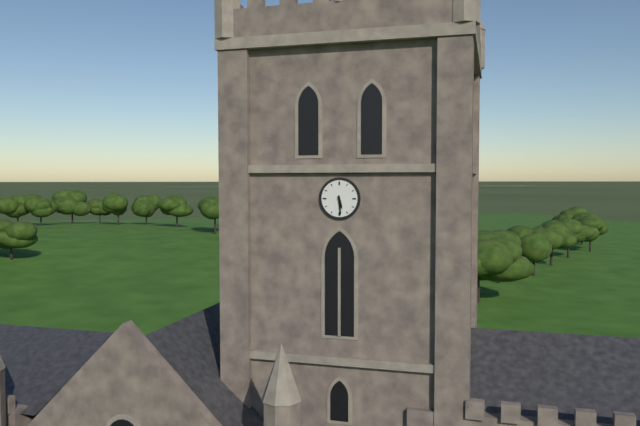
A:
5:29
